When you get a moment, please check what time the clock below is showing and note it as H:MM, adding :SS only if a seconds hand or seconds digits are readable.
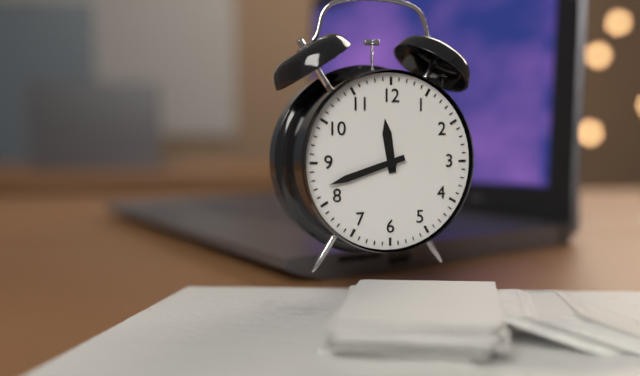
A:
11:42
